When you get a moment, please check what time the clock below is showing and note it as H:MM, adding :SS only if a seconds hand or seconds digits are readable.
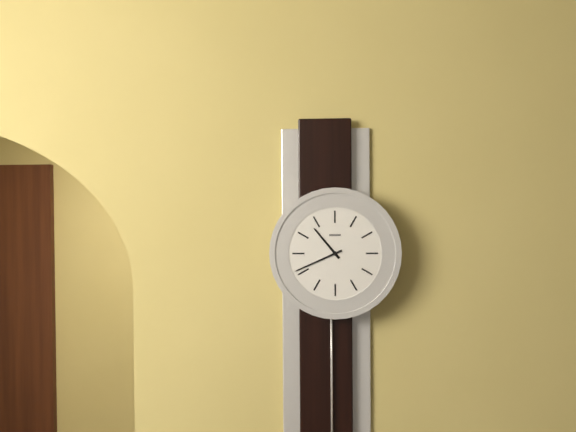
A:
10:41
